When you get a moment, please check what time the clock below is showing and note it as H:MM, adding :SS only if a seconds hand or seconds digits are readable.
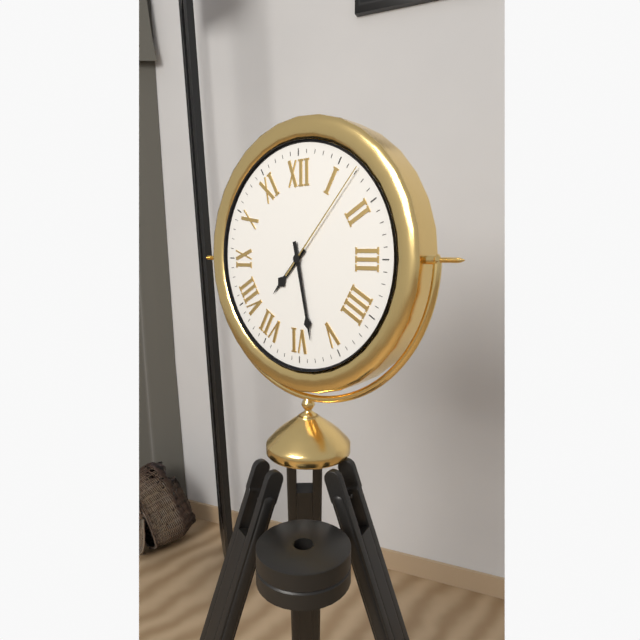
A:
7:28:07
